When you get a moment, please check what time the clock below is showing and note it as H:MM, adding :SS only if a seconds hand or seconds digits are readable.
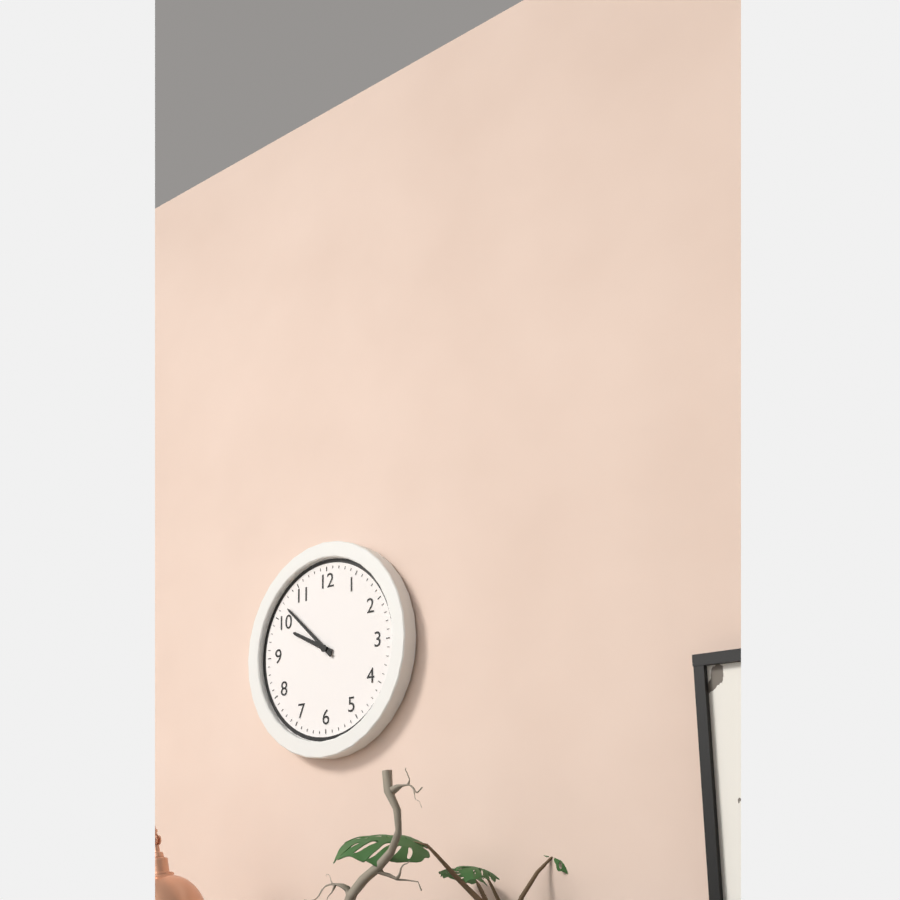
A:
9:52
